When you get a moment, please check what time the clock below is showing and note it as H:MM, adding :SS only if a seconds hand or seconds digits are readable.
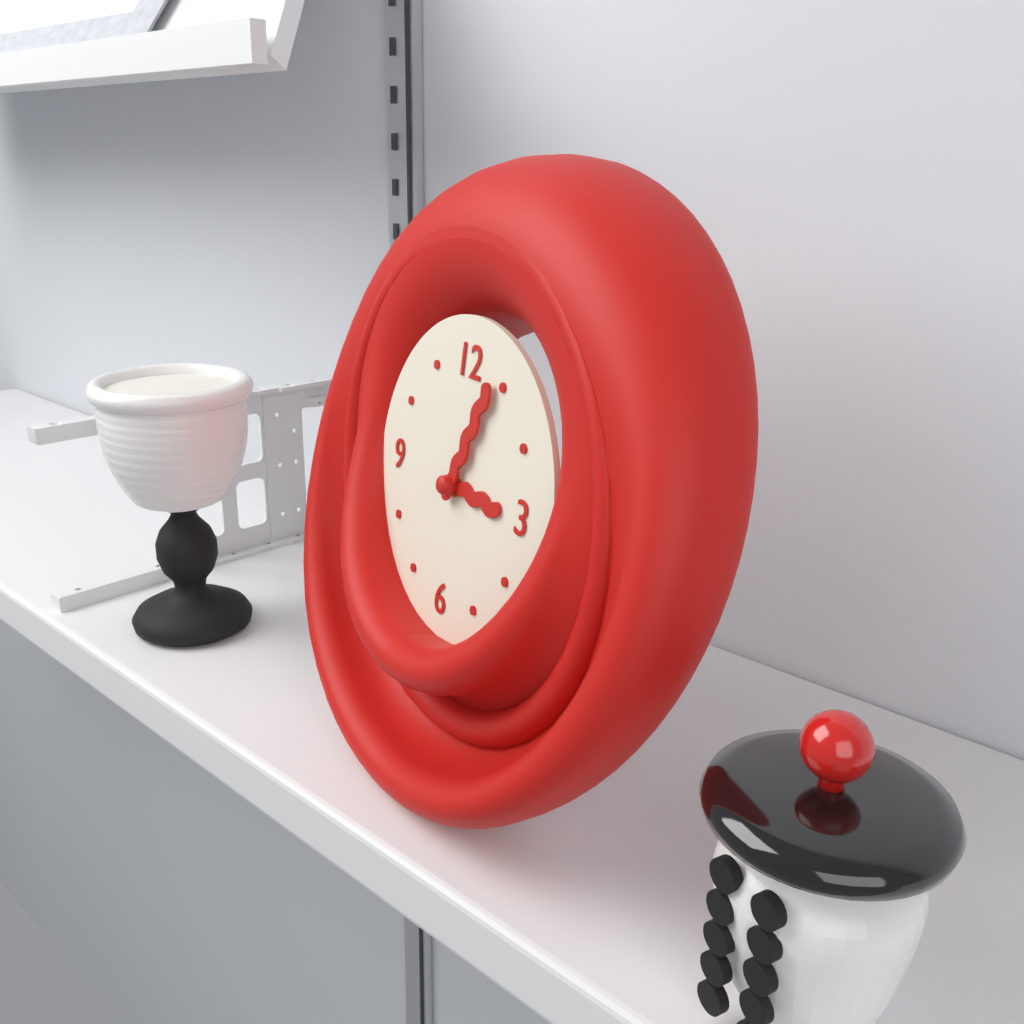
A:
3:04
